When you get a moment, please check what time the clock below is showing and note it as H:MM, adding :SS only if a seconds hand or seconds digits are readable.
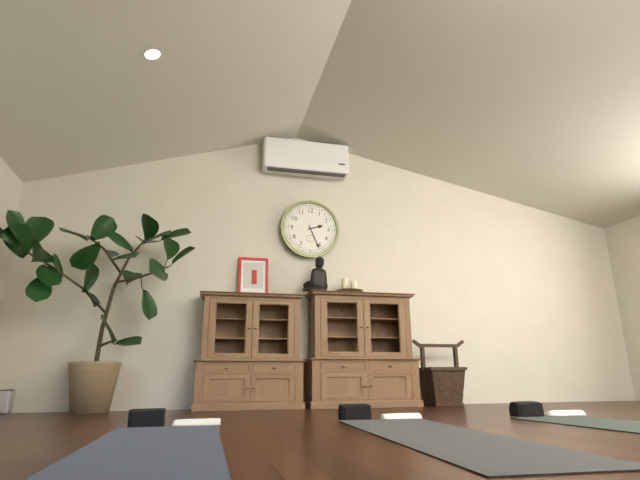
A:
2:26
